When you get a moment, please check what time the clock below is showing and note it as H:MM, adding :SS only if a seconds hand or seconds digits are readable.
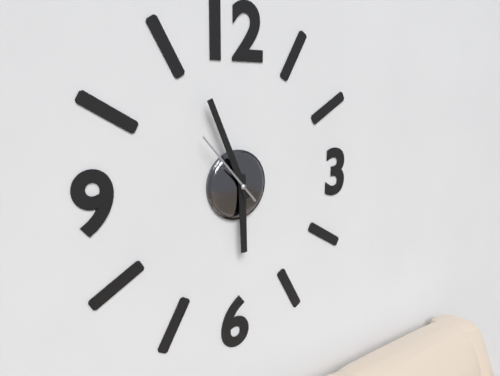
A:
5:56:53
